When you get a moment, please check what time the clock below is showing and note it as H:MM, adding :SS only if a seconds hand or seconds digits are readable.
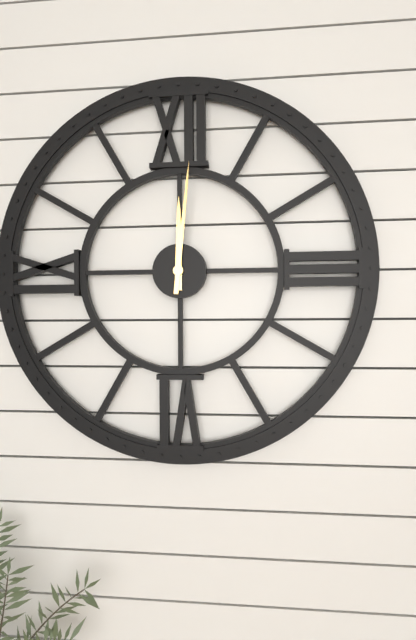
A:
12:01
